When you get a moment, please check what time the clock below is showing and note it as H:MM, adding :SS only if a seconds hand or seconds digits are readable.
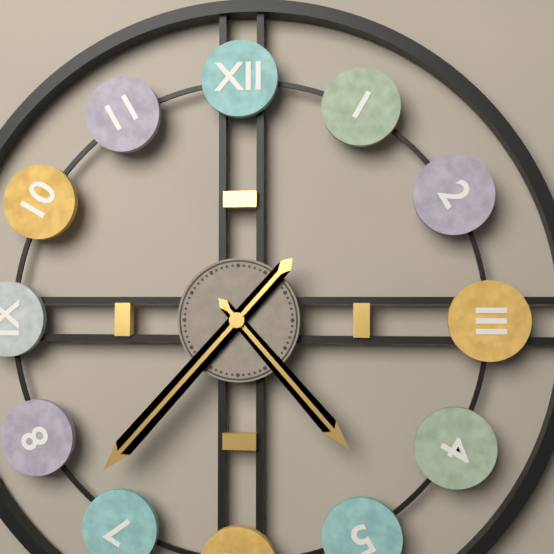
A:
4:37
